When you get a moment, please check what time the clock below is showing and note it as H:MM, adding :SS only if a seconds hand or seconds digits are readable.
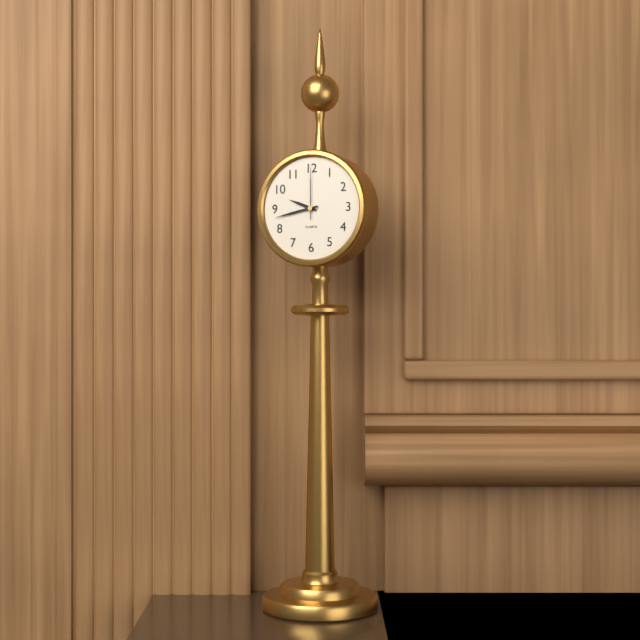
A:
9:43:00
